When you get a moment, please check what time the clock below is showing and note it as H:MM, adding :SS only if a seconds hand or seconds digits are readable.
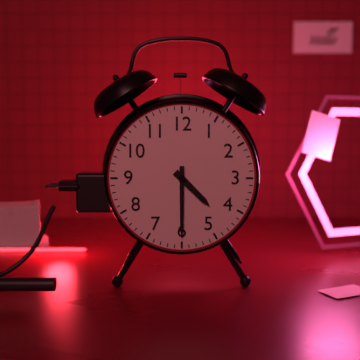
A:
4:30
